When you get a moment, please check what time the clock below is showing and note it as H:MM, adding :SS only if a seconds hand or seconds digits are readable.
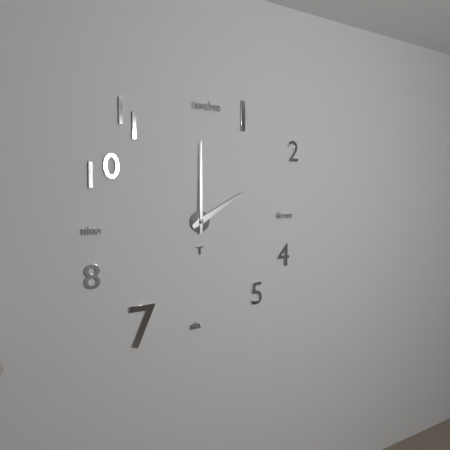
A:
2:00
